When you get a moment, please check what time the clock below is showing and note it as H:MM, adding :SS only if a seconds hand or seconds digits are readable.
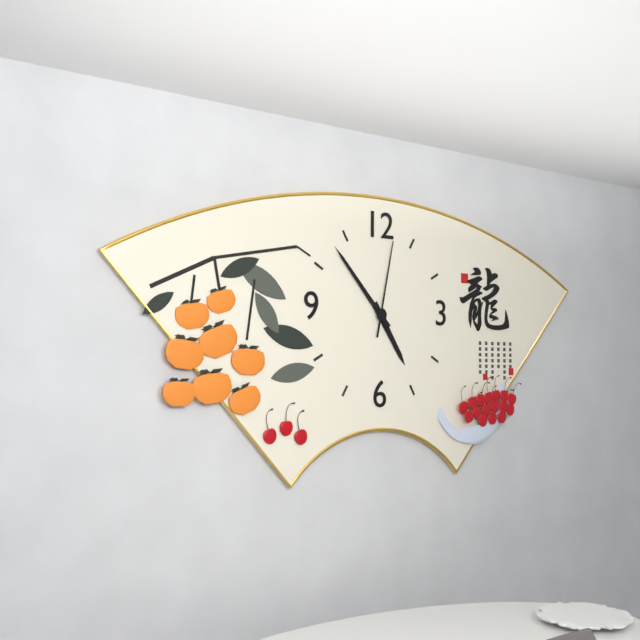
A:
4:53:02
